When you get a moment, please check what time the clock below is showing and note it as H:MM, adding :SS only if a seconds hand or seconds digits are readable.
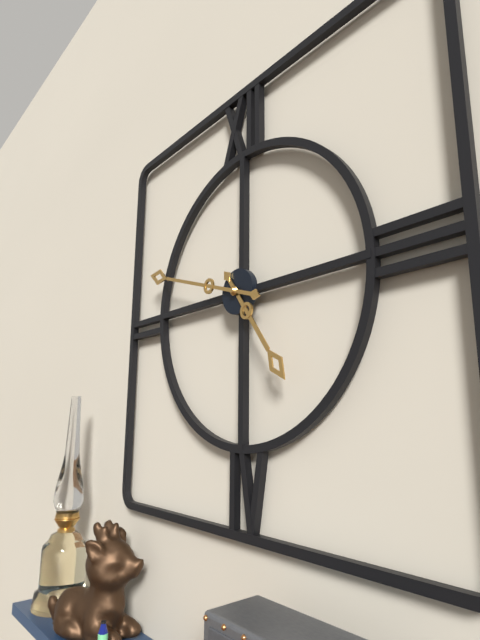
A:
4:48
